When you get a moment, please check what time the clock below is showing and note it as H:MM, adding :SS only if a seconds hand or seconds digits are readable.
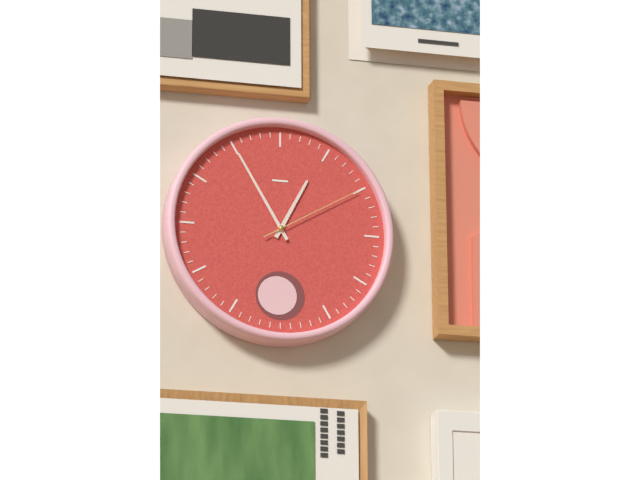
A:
12:55:10
